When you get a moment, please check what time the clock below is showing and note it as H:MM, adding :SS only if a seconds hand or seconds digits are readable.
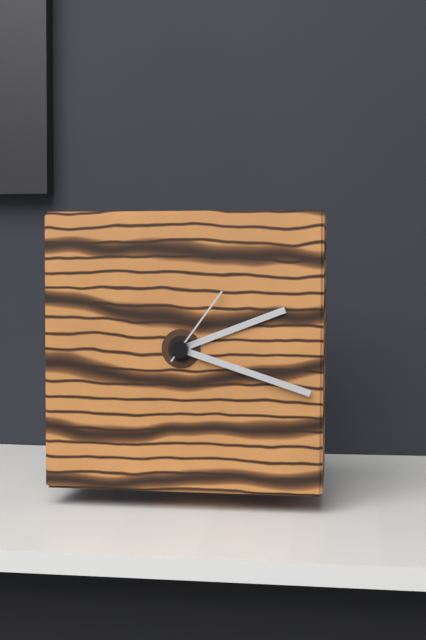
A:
2:18:06
